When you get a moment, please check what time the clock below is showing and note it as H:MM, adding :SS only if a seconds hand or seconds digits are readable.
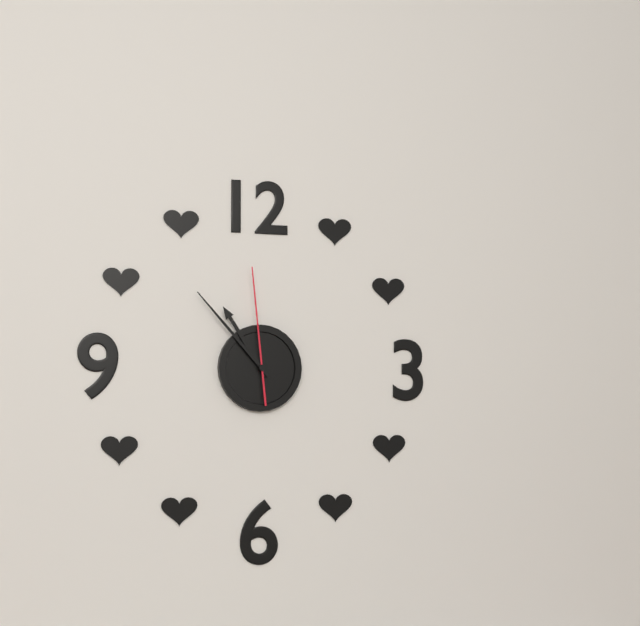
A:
10:53:59
